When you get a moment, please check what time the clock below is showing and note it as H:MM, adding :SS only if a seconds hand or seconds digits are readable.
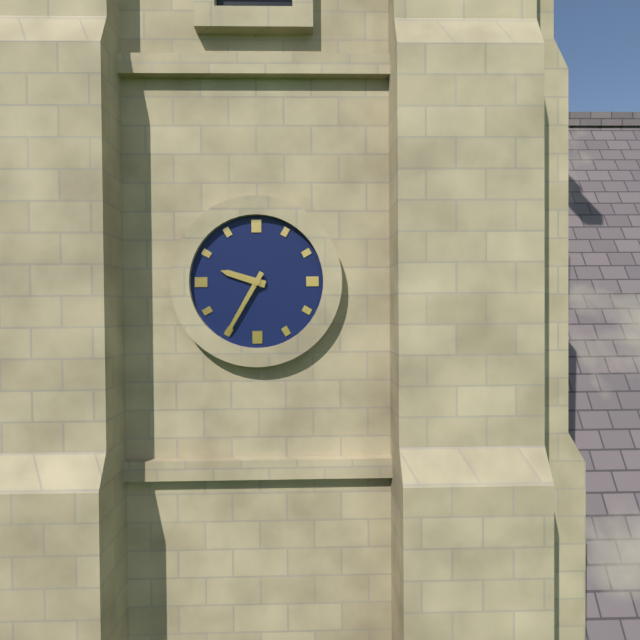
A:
9:35
